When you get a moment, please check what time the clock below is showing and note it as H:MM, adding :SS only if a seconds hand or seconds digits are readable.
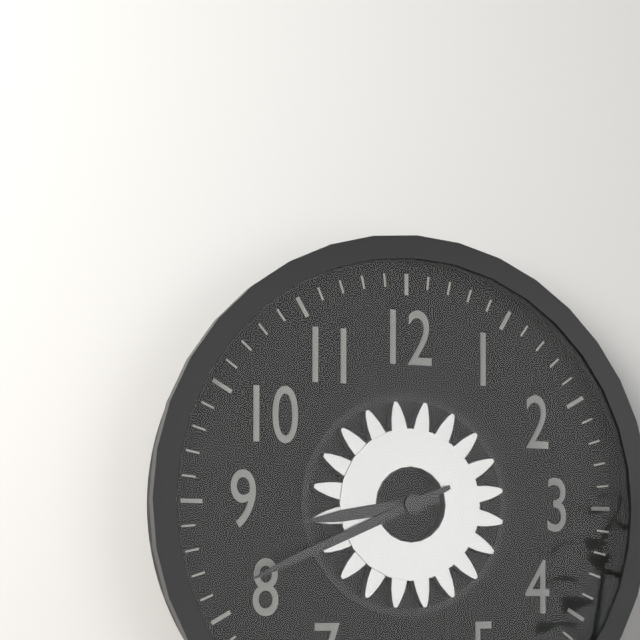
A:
8:41
